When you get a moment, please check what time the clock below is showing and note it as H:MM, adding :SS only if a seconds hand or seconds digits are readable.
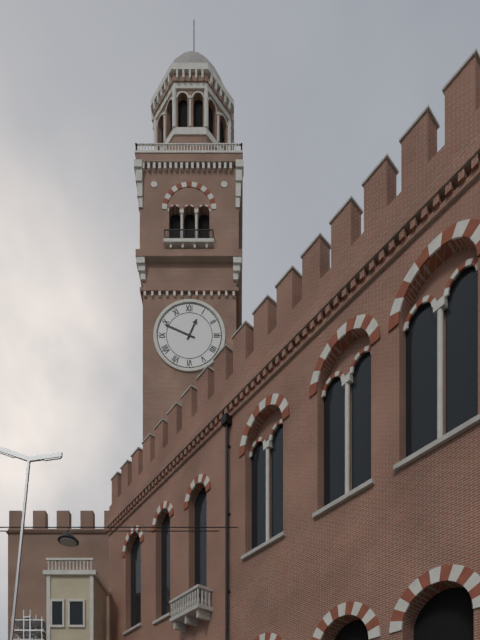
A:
12:49
